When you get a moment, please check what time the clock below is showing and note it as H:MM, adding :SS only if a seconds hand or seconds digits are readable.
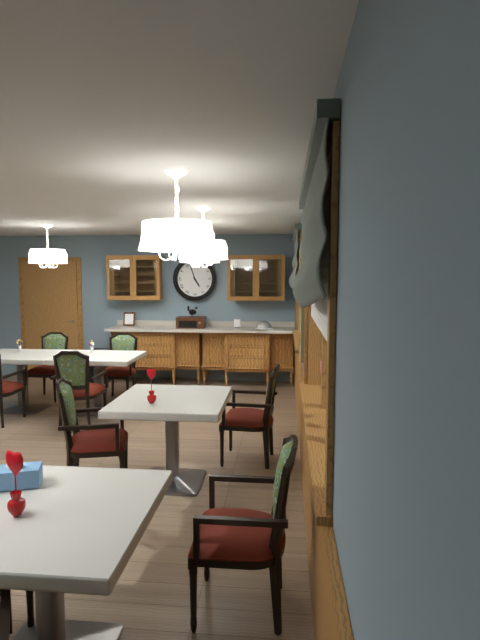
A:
4:57
